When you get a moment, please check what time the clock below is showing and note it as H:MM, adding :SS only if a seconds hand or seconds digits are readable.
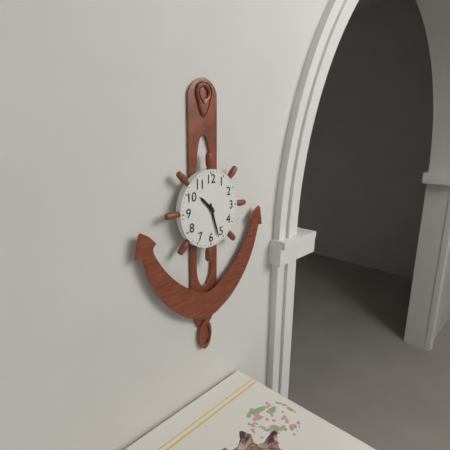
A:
10:27
